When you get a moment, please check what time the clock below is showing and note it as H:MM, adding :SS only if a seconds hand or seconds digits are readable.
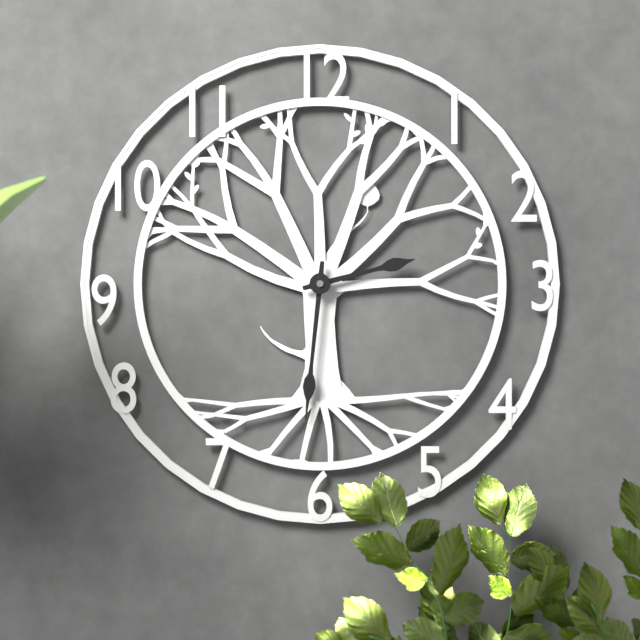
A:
2:31
